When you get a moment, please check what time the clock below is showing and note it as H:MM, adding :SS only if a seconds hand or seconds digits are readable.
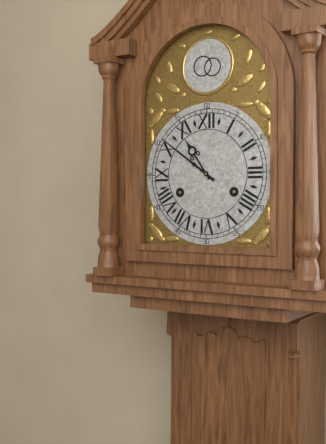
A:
10:51
